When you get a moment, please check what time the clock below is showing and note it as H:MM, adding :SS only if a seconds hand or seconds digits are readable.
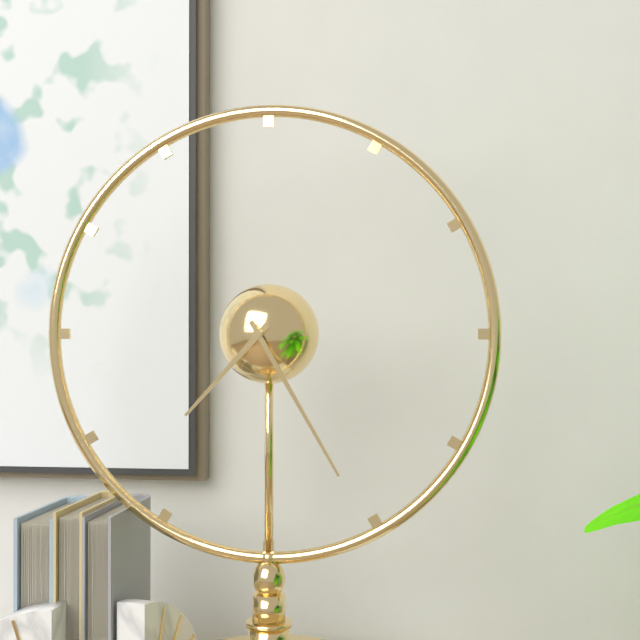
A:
7:25
